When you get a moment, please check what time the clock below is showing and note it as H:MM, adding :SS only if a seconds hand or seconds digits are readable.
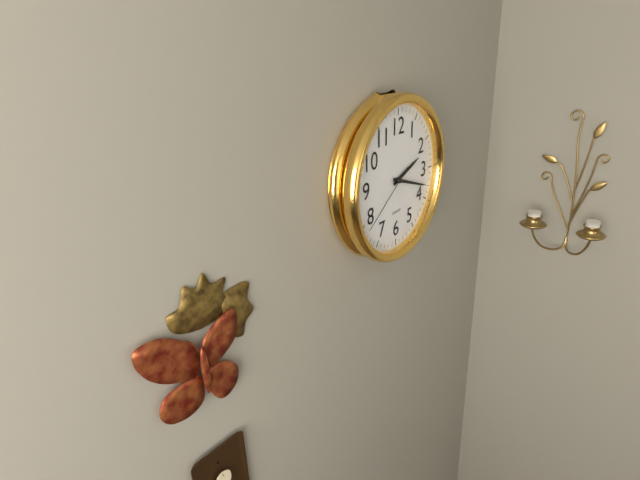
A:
2:18:39
